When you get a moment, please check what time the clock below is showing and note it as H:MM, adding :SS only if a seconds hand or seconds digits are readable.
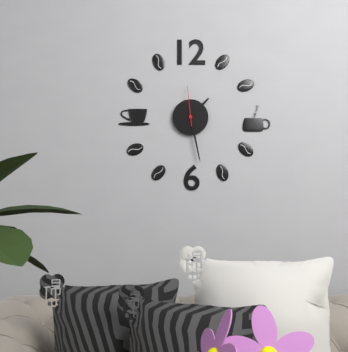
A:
1:28
